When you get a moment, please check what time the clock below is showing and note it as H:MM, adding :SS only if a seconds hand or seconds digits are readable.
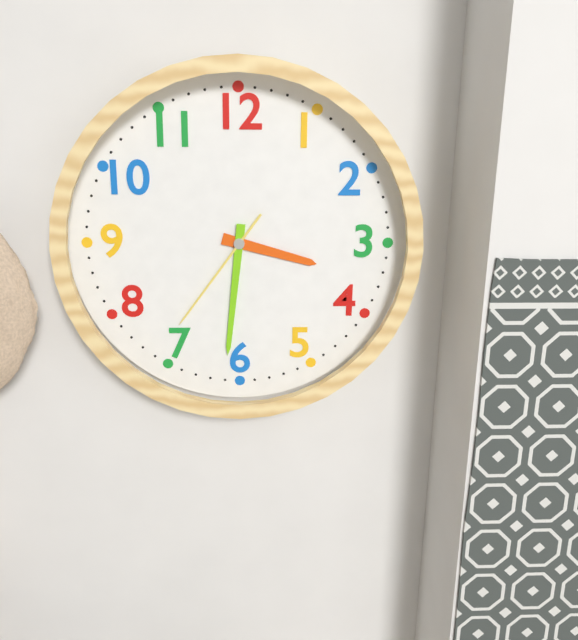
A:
3:31:36
